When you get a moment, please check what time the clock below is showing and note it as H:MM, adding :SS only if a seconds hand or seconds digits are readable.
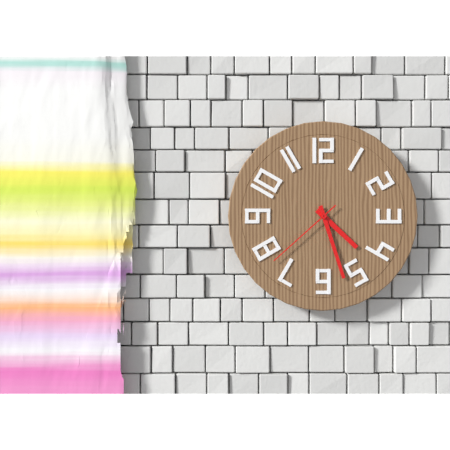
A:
4:27:38
